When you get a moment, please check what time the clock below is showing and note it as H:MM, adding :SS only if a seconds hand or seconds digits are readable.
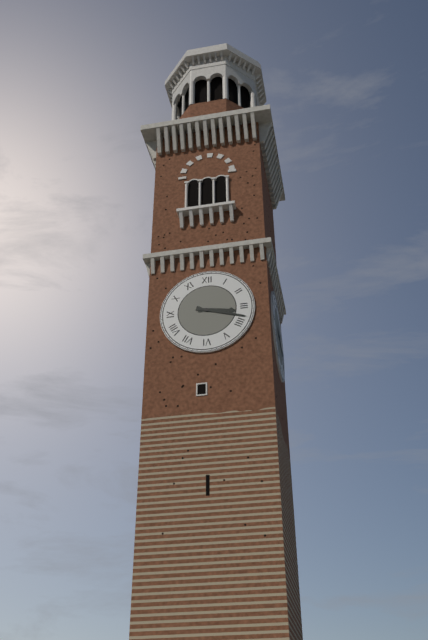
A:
3:18
